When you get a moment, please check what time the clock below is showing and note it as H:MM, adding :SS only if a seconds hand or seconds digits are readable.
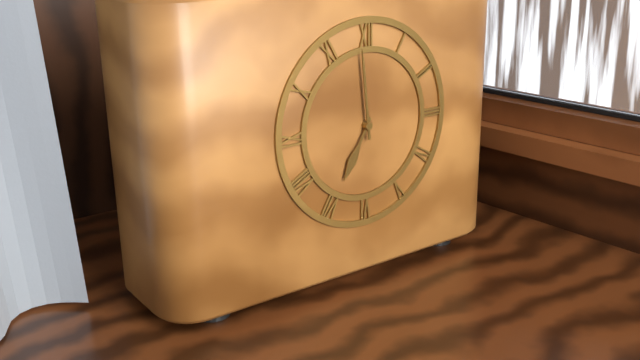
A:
6:59
